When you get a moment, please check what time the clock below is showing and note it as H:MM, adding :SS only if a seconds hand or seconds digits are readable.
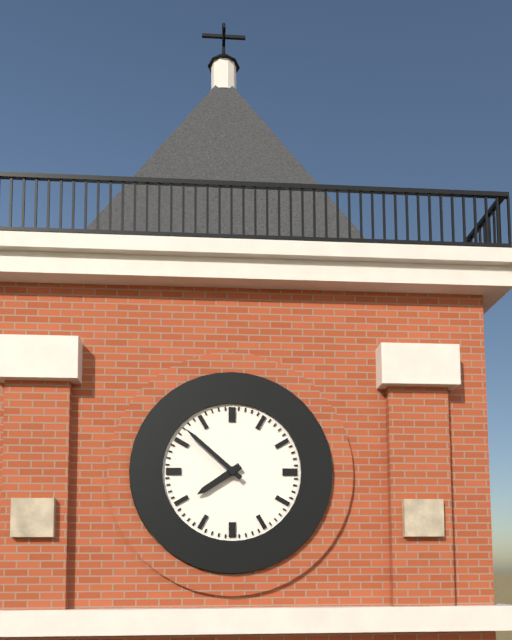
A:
7:52
